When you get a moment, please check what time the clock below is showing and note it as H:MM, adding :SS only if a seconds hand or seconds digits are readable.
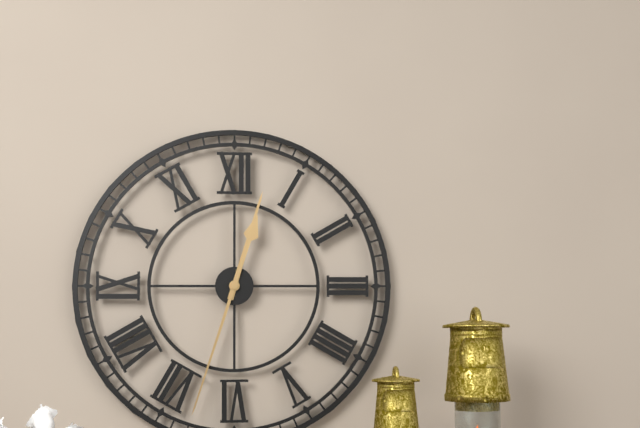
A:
12:33
